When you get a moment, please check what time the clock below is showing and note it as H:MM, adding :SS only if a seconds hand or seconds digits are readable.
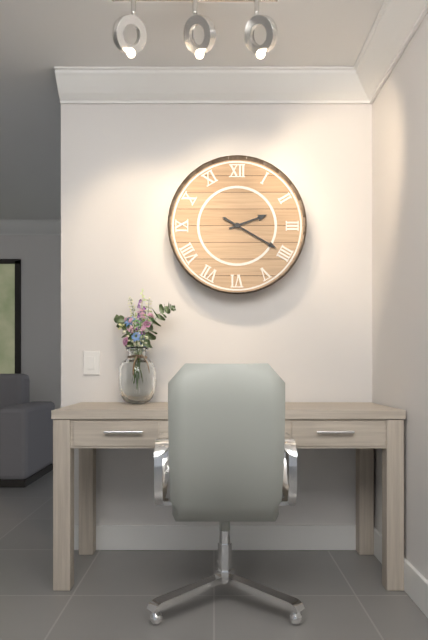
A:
2:20
